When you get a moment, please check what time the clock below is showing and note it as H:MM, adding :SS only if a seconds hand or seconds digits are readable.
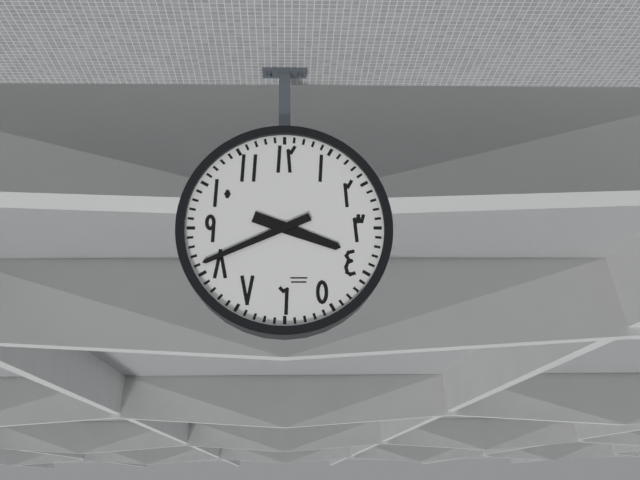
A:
3:41
